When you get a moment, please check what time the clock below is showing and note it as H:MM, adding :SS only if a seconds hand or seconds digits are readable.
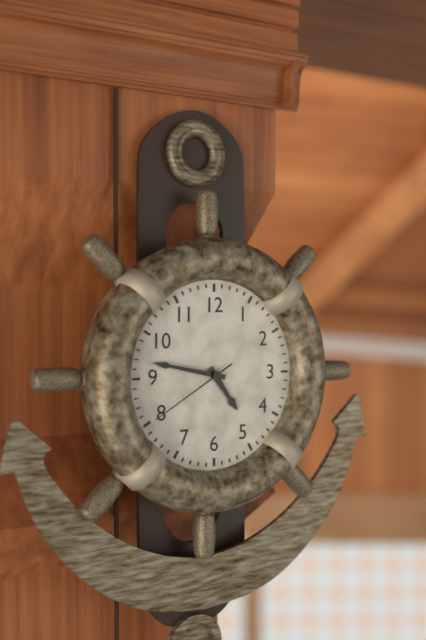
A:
4:47:40
